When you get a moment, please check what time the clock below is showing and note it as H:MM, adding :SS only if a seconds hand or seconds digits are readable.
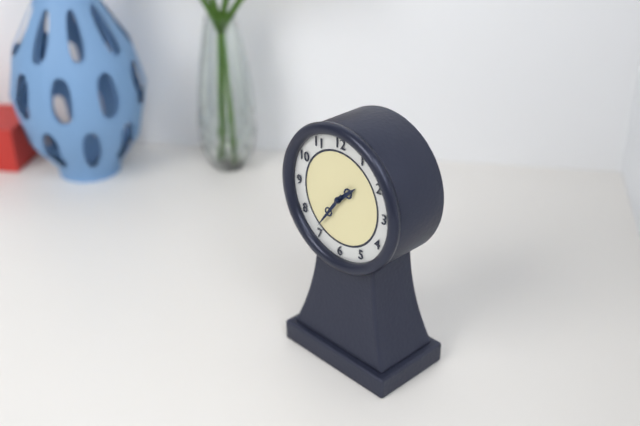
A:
1:36
